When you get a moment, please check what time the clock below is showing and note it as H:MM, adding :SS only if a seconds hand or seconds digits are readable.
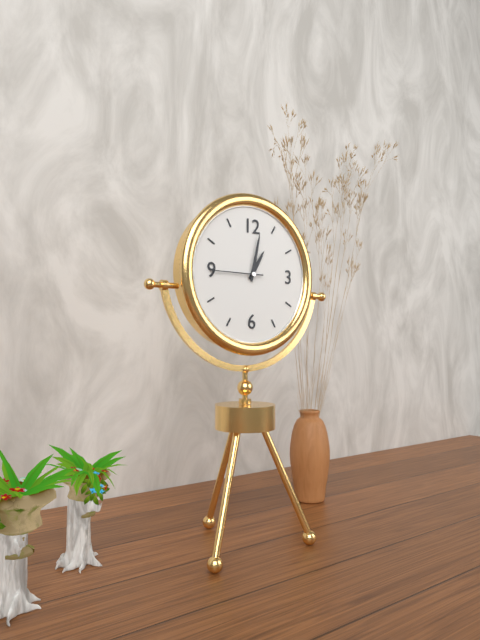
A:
1:02:45
